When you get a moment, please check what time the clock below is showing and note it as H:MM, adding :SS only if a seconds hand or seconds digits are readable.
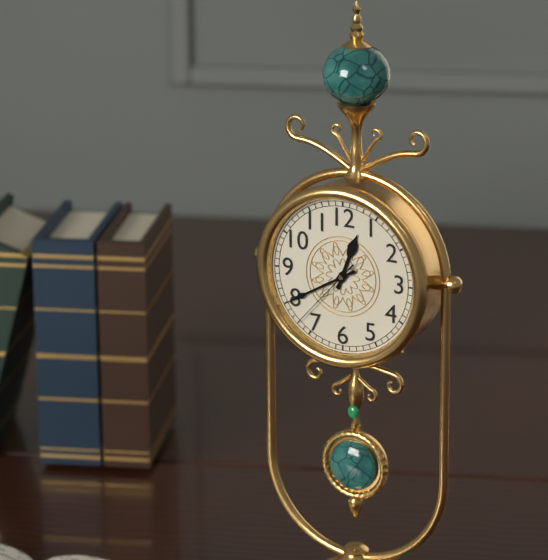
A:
12:40:37
